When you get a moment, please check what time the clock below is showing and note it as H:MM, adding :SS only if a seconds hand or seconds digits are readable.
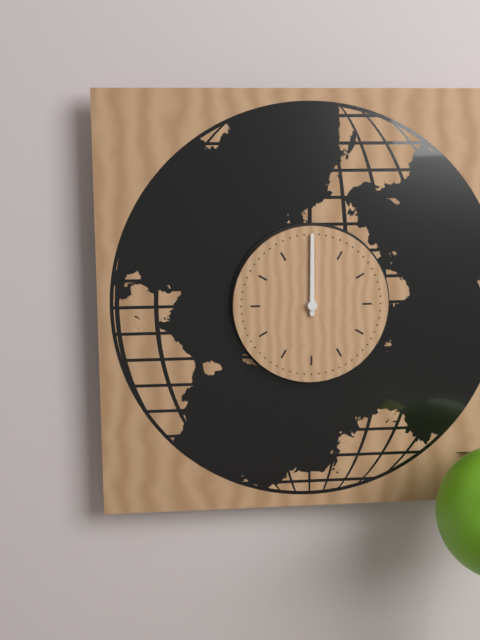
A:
12:00
